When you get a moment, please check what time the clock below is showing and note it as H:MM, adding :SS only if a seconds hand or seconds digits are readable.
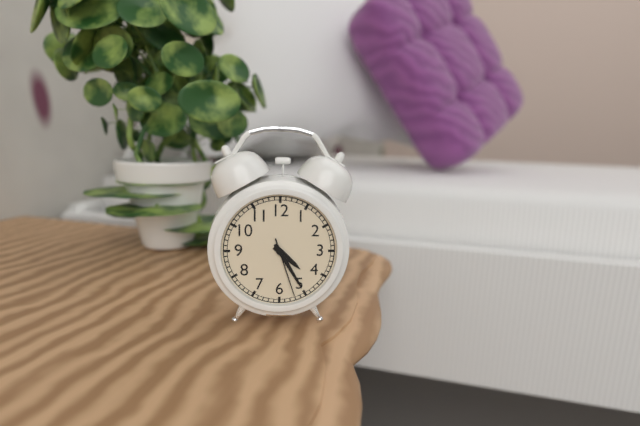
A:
4:25:27
